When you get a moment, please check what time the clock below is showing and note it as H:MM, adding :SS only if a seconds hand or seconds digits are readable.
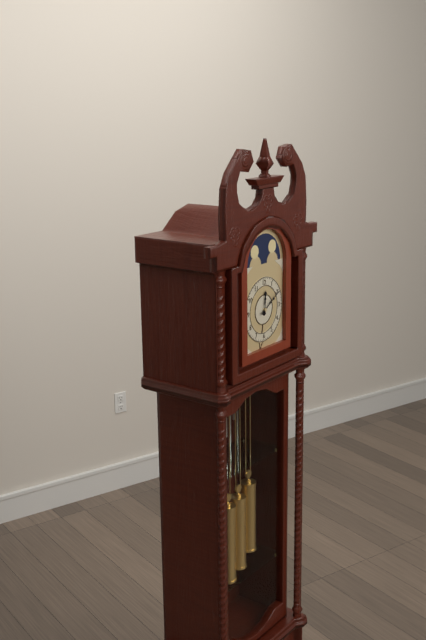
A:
12:10
